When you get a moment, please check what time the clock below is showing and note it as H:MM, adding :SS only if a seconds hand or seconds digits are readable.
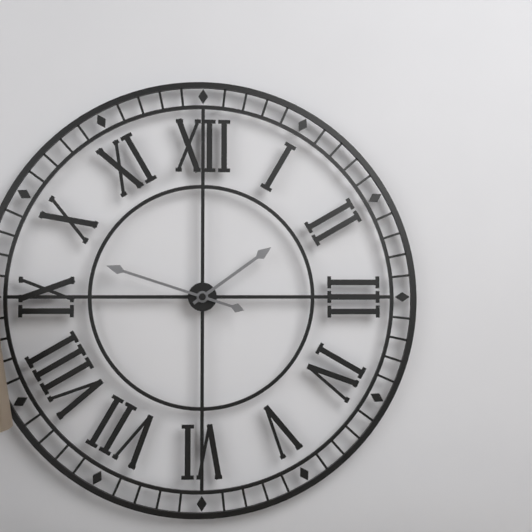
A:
1:48
